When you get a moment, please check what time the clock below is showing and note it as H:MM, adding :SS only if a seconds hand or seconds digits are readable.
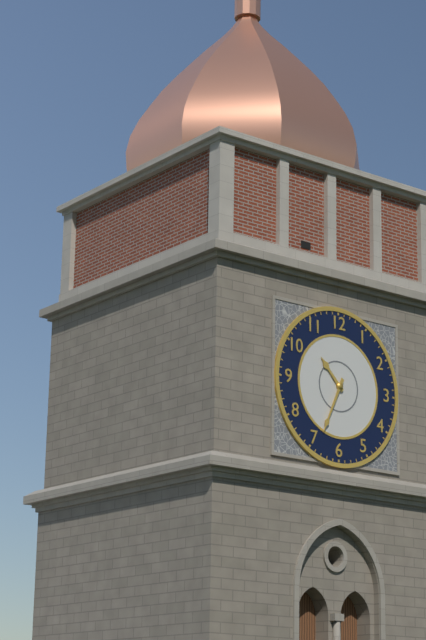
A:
10:34
